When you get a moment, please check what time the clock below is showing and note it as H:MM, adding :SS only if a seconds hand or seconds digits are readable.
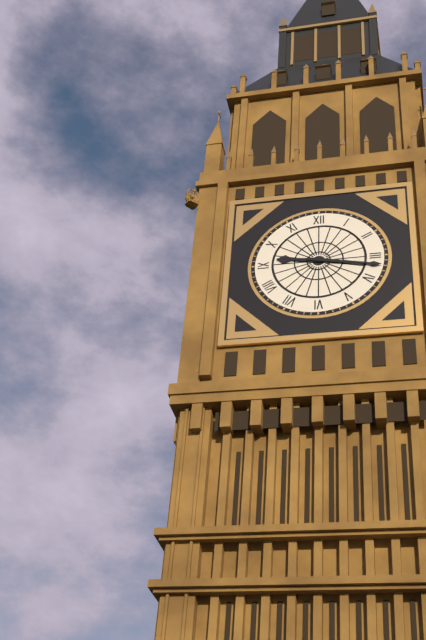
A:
9:17
